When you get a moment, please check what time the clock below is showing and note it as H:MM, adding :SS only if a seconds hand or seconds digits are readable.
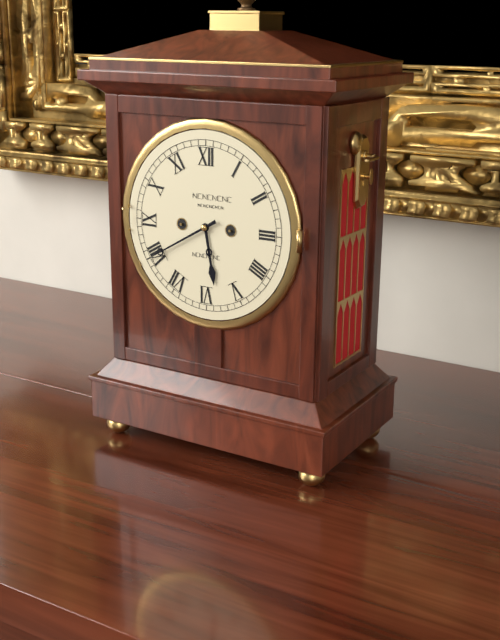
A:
5:40
